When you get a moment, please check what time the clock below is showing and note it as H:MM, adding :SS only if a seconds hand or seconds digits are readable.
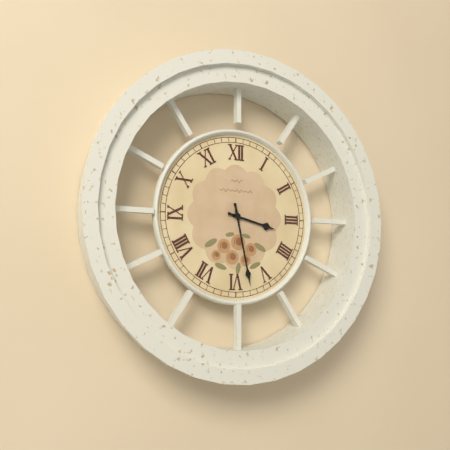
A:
3:28
